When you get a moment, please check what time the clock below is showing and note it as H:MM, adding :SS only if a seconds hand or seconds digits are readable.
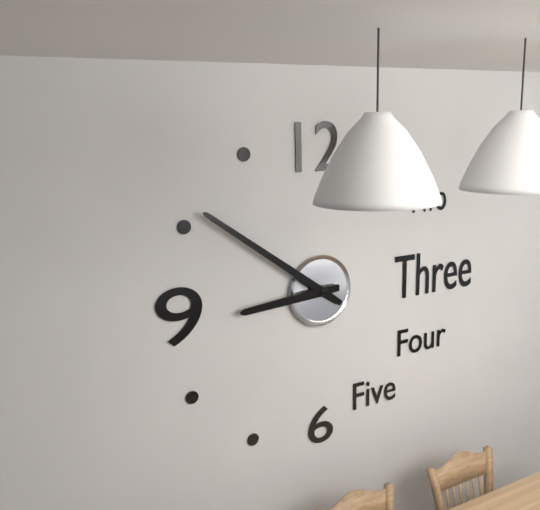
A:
8:51
